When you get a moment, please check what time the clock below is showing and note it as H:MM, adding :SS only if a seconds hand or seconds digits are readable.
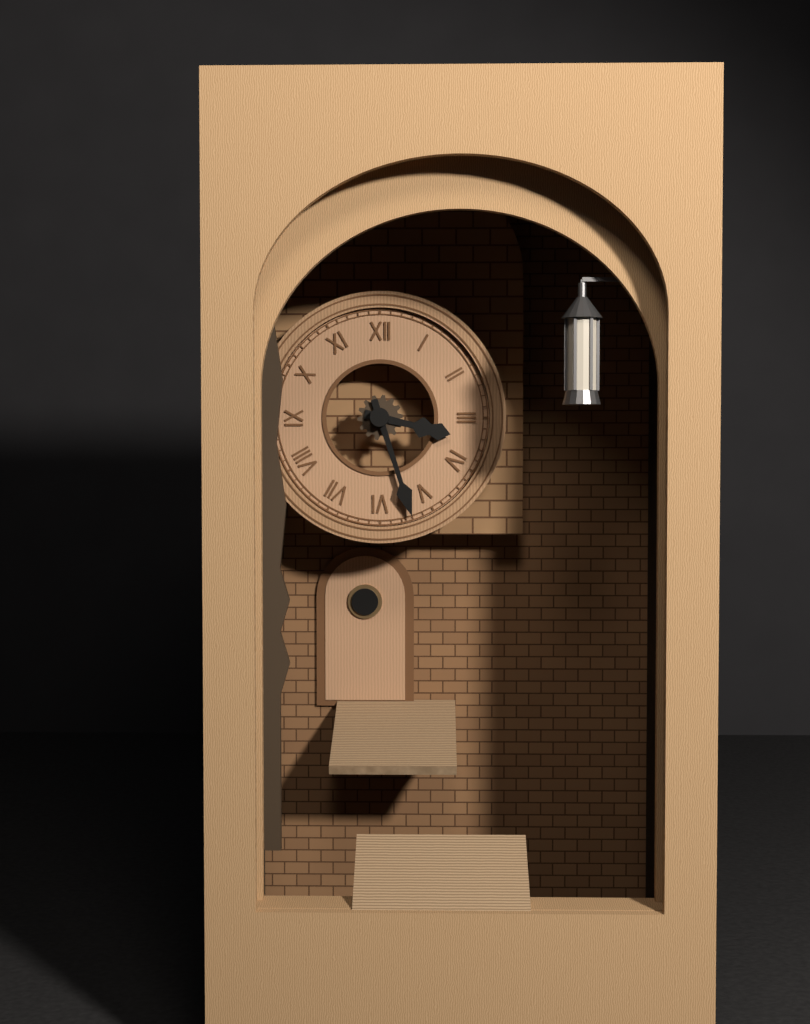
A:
3:27
